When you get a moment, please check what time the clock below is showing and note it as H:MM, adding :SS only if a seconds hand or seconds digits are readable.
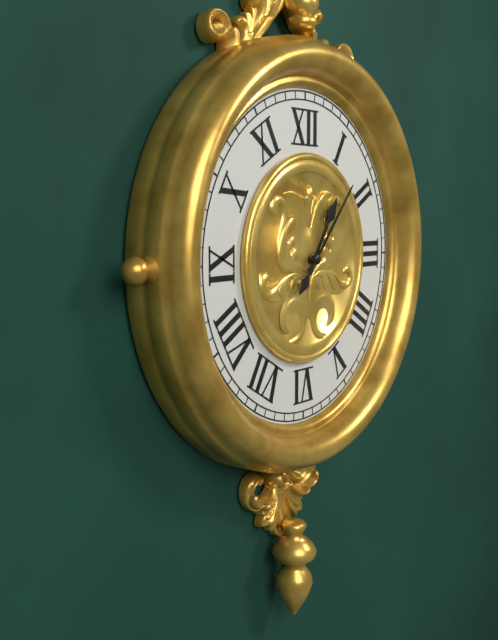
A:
1:07
